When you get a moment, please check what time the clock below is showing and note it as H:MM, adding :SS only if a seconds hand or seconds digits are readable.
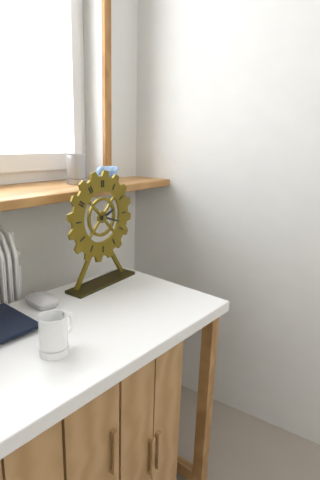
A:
2:18
